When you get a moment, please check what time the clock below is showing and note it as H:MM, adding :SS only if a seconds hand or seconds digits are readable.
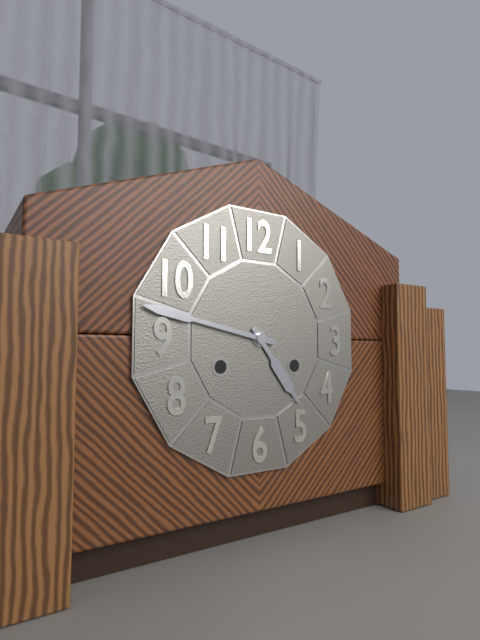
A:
4:47
